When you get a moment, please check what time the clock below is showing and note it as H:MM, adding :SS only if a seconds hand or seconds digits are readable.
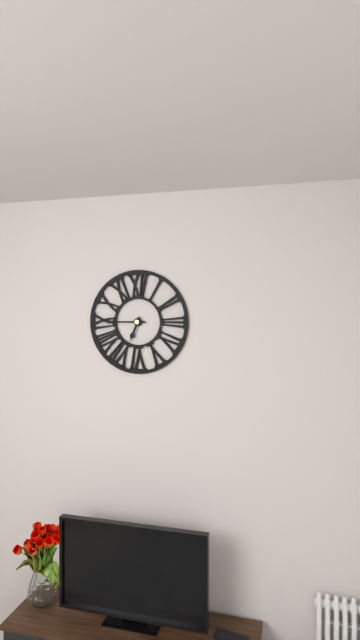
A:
6:45
